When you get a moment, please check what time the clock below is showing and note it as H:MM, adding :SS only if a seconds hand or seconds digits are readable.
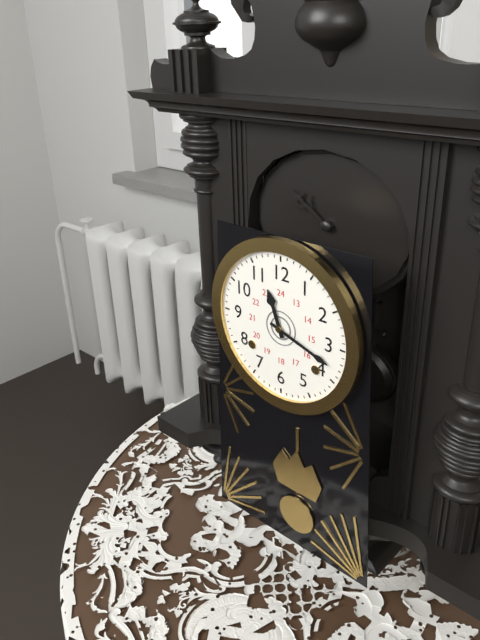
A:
11:18
